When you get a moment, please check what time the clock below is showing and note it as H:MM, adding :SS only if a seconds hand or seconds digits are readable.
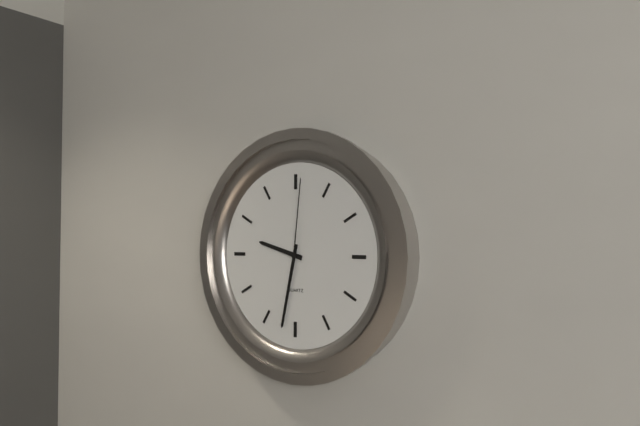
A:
9:32:01
